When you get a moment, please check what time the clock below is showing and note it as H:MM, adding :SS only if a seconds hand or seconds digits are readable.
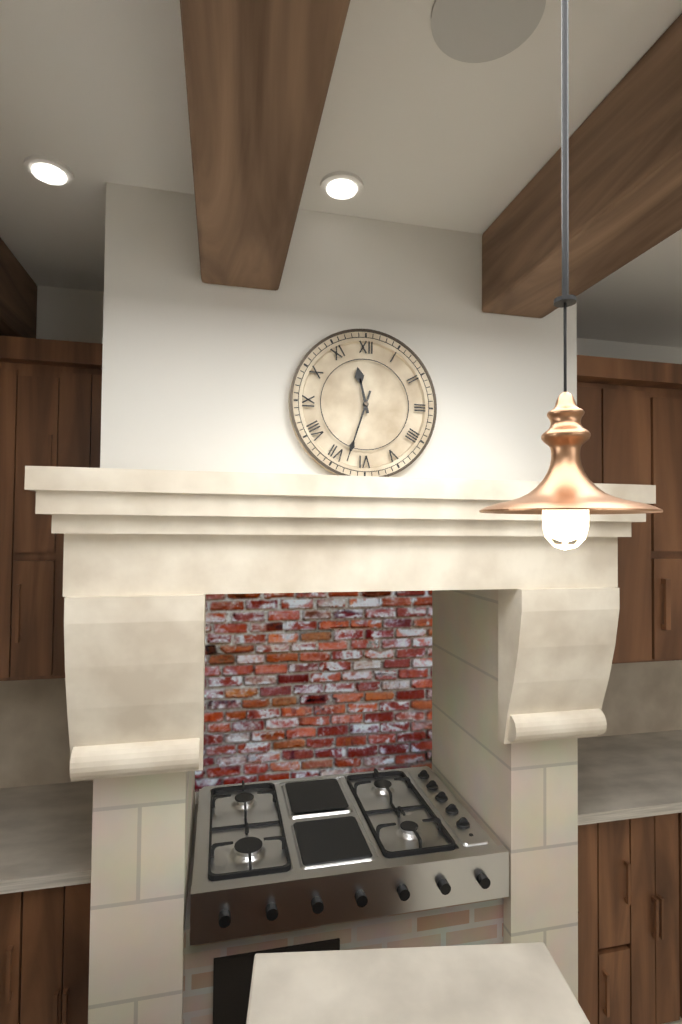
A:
11:33
